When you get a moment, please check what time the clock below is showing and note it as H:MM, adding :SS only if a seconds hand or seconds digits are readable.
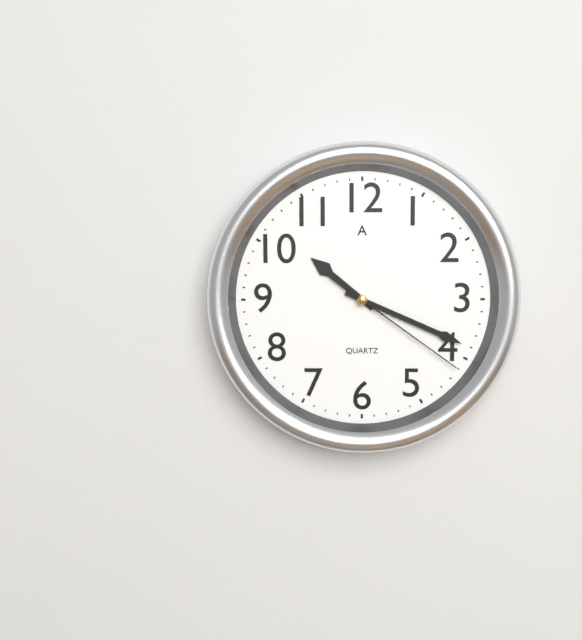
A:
10:19:21
